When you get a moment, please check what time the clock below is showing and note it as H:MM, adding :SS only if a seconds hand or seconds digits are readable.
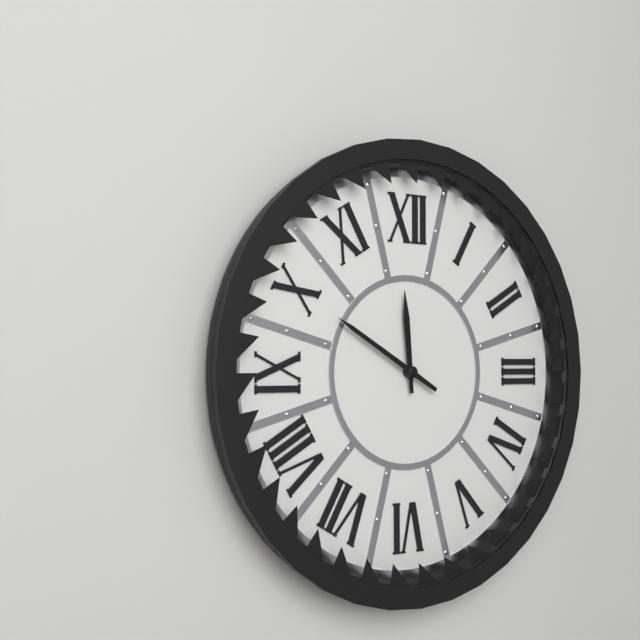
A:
11:50
